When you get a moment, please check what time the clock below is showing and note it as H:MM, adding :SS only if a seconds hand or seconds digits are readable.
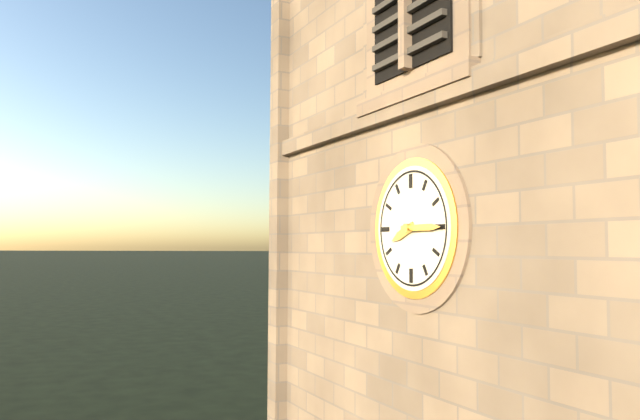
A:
8:15
